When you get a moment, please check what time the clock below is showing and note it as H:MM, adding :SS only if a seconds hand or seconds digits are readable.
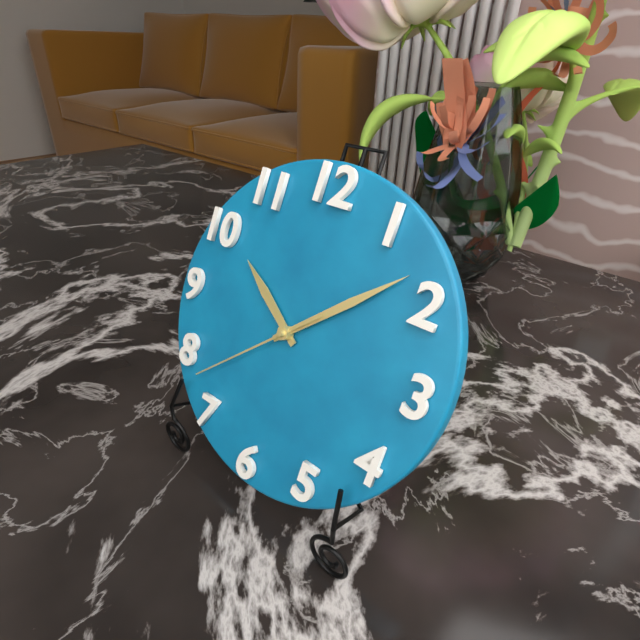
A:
10:08:38
